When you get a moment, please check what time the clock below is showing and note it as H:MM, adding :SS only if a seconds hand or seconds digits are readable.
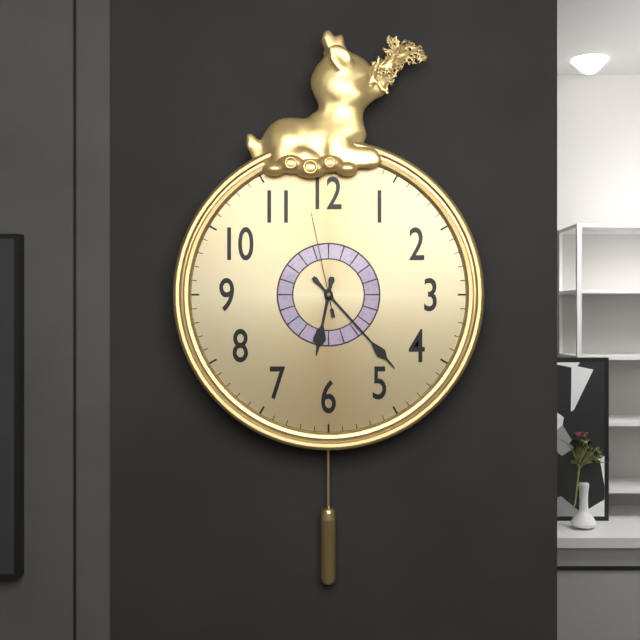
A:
6:23:58
